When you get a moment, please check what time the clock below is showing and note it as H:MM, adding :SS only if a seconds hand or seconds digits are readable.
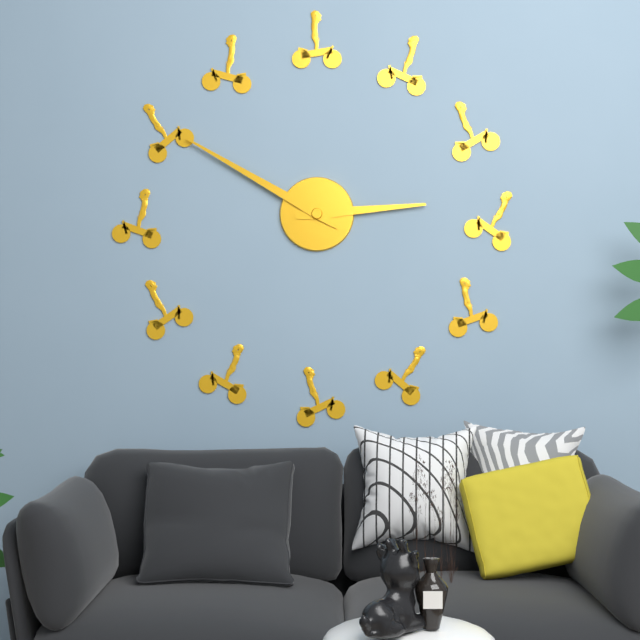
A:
2:50
